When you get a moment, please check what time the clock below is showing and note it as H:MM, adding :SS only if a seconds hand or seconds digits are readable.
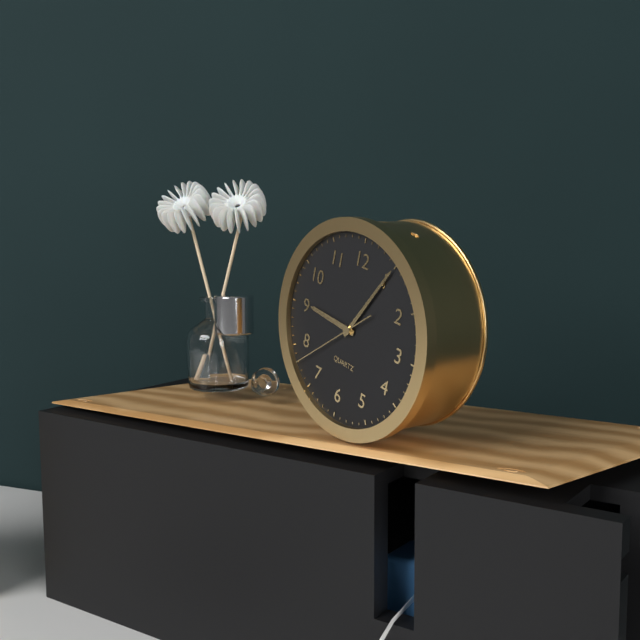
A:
9:05:38
